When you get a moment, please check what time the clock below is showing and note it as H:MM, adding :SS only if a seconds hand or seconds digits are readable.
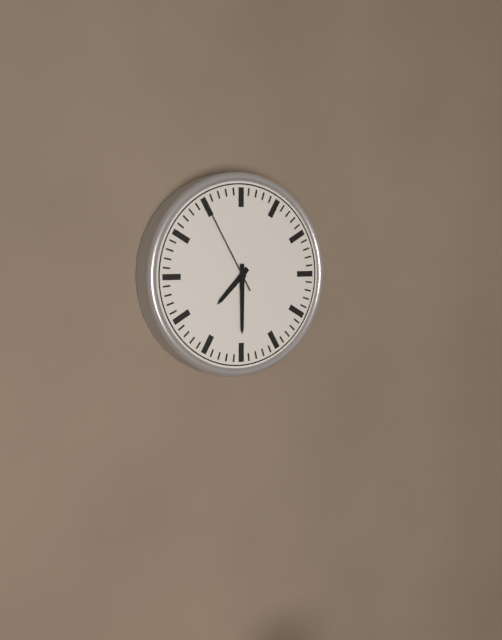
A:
7:30:55
